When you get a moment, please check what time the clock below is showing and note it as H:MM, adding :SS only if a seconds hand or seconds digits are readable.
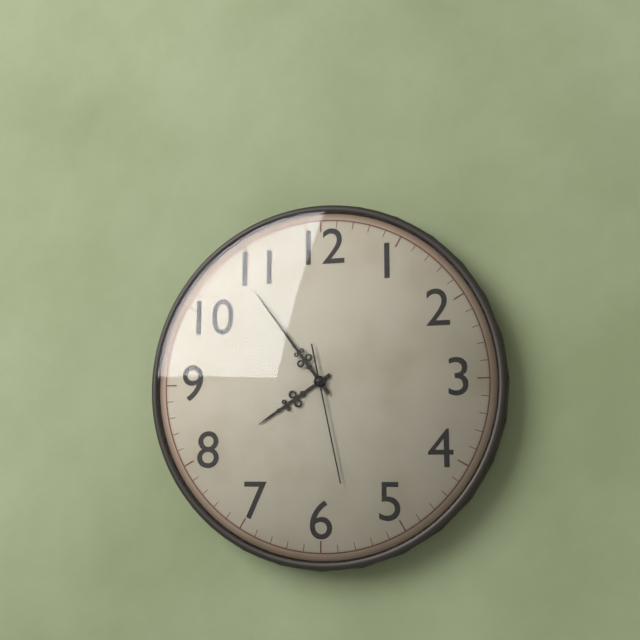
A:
7:54:28
